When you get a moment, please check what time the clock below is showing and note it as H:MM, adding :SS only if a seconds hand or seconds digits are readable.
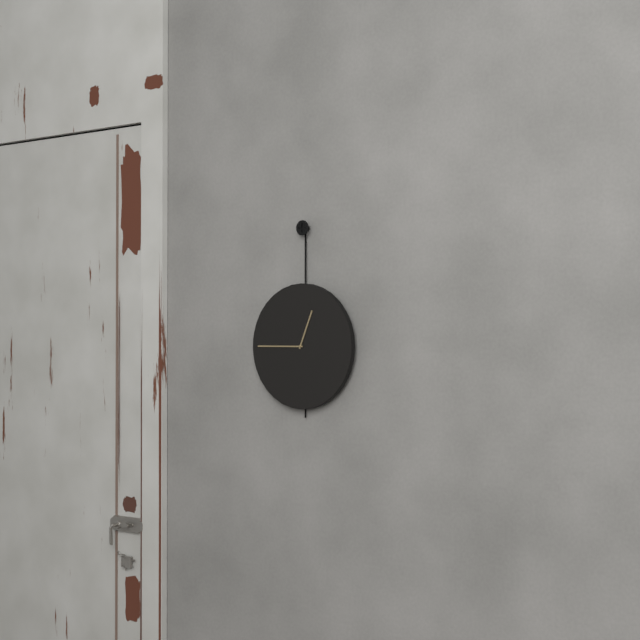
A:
12:45
